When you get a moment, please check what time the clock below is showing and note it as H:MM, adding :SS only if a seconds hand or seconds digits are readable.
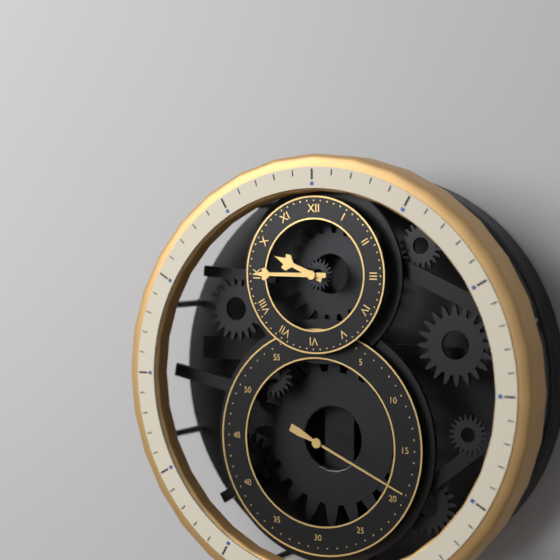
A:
9:45:19
